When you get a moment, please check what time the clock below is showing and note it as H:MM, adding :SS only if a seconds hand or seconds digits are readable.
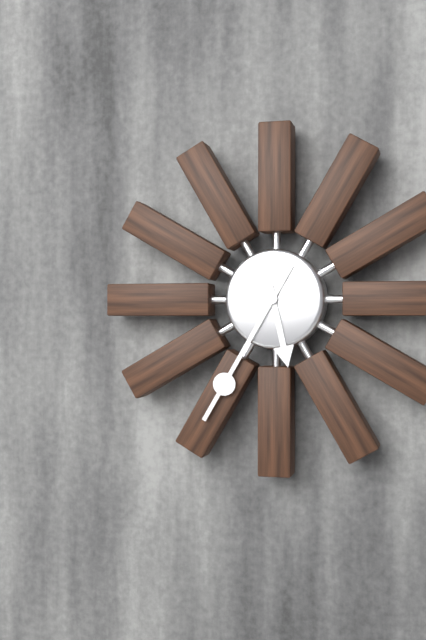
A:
5:35
